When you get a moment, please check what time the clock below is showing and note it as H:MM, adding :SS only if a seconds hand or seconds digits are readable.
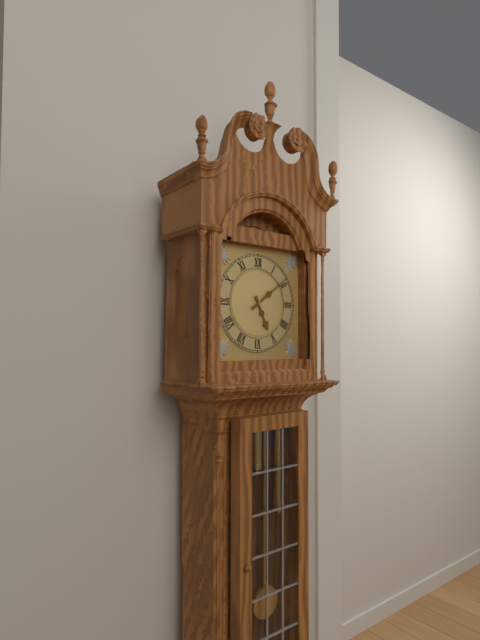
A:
5:09
